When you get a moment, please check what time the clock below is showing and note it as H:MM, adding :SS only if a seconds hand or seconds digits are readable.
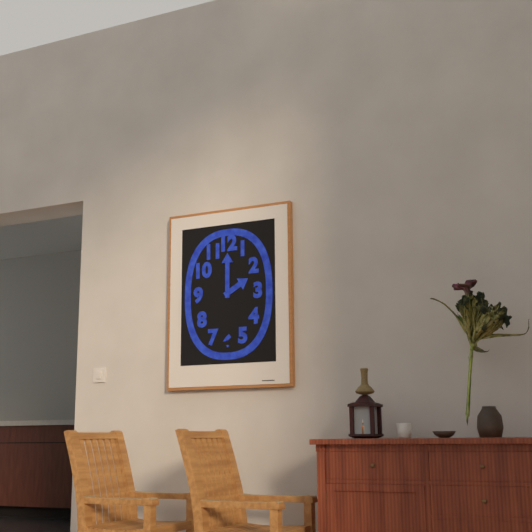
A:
2:00
